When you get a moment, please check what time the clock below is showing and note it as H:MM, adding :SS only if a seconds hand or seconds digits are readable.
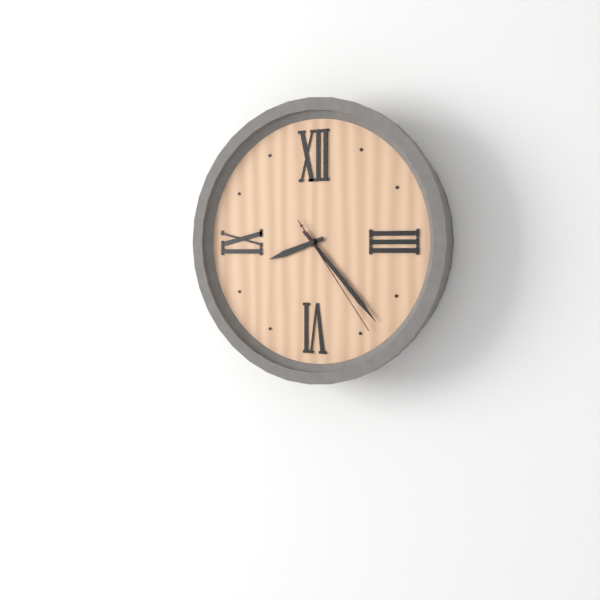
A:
8:23:24
